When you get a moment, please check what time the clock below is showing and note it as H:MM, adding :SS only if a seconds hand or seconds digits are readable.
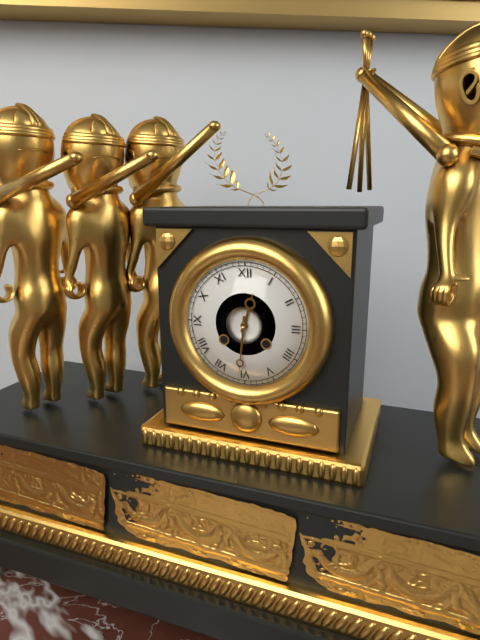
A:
12:31
